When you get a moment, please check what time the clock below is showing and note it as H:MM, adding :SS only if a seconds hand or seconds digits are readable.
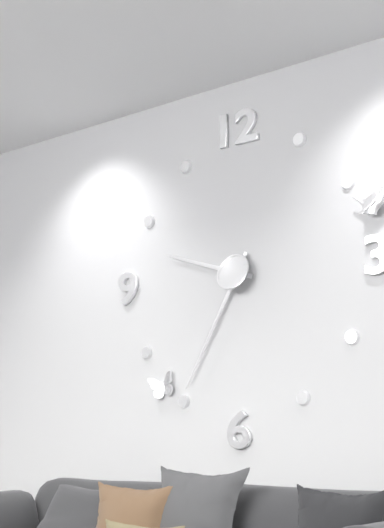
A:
9:35
